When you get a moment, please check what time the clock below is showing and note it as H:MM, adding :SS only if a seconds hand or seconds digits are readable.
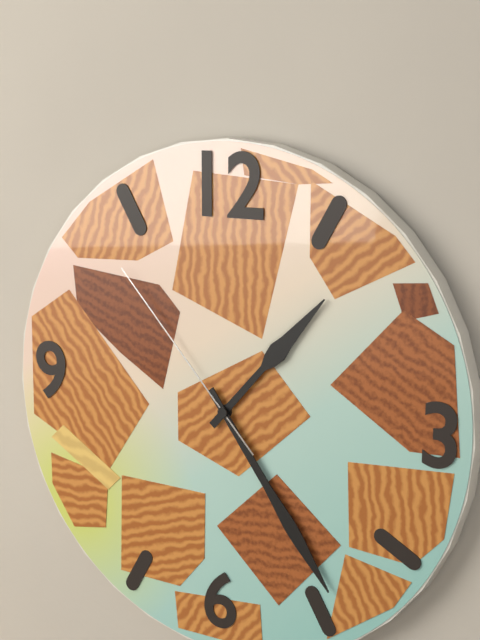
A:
1:24:53
